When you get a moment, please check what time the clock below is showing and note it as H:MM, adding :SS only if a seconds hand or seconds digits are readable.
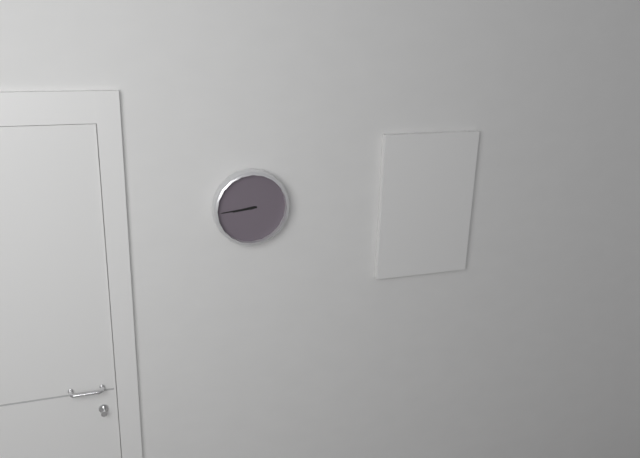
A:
8:44
